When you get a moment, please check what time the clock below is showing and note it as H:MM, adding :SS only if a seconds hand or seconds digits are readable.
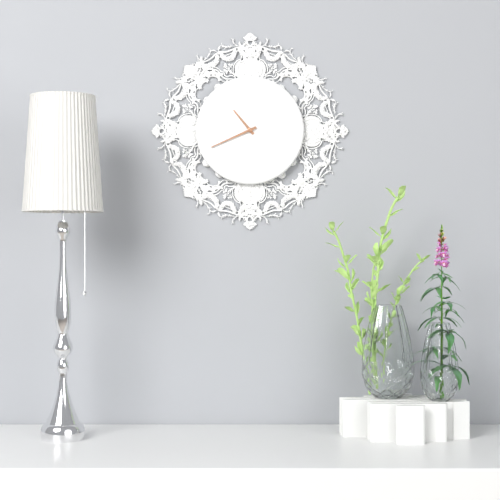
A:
10:41
